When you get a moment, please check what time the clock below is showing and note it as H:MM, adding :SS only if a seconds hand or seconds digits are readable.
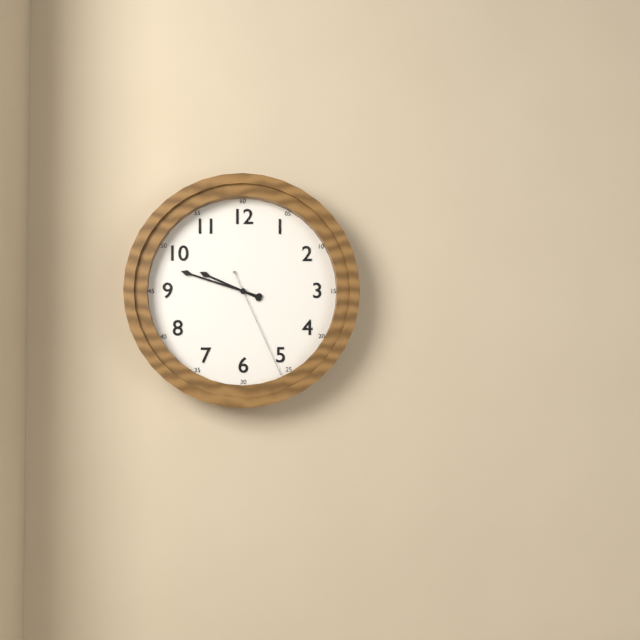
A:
9:48:26
